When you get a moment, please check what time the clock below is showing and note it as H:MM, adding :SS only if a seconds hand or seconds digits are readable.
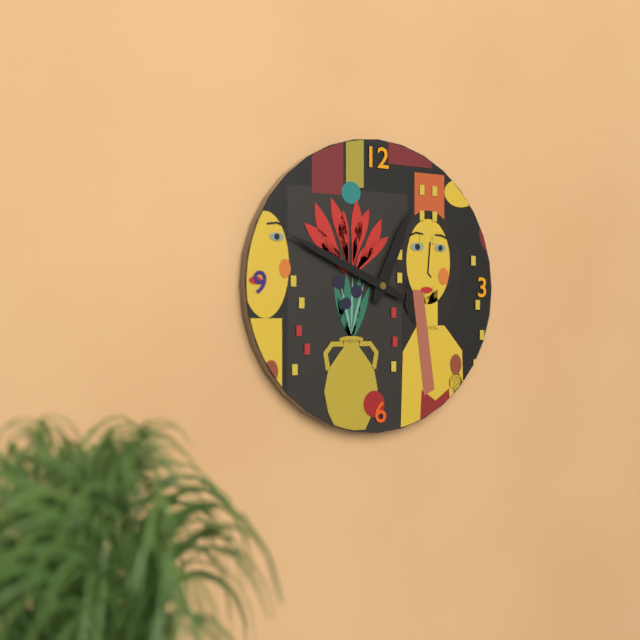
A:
12:49
